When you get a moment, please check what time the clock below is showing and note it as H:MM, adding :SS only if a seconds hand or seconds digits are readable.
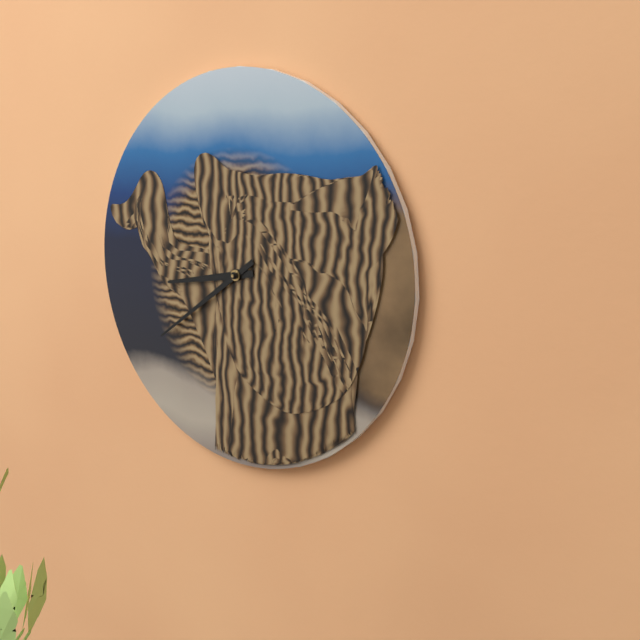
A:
8:39
